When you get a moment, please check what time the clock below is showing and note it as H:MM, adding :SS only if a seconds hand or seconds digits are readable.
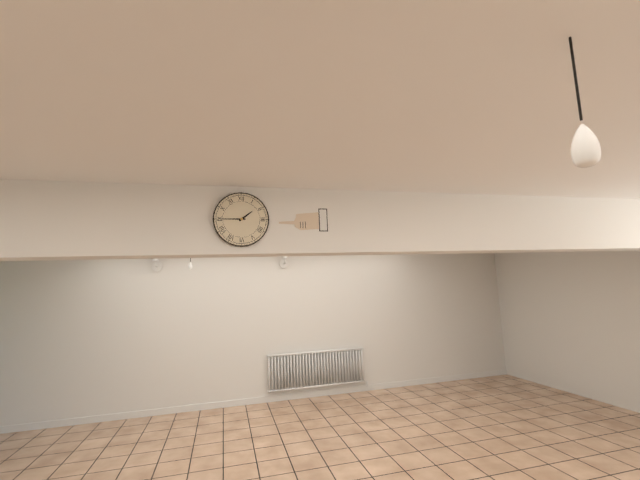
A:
1:45
